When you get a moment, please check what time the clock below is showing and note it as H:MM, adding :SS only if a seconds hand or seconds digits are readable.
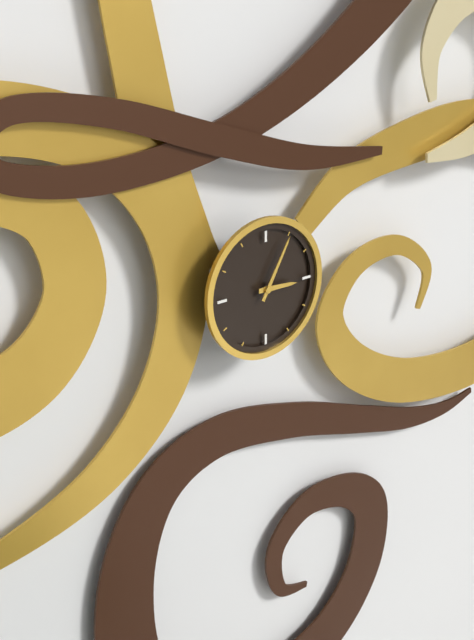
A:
3:05
